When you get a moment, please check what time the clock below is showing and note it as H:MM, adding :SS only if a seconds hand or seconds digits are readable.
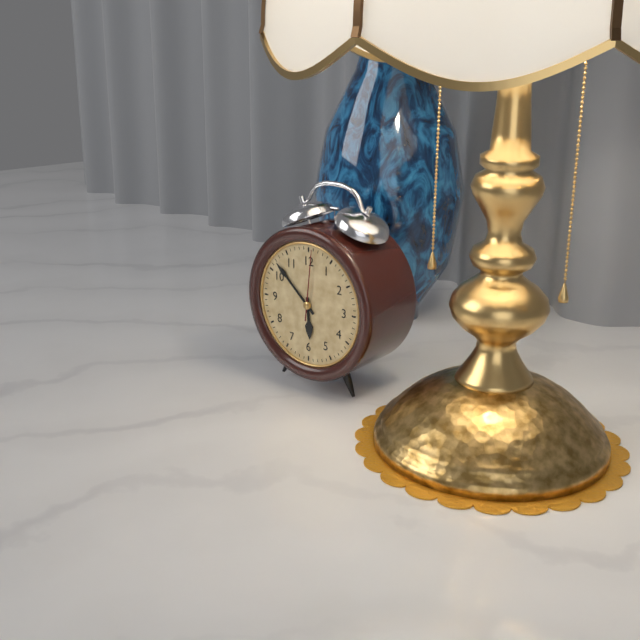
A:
5:52:01
